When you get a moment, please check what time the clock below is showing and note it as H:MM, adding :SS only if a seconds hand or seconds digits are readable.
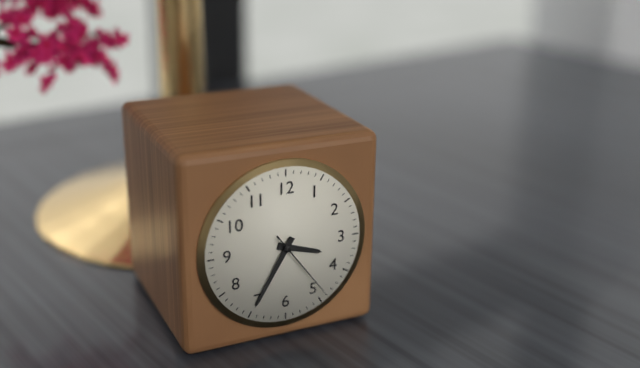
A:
3:35:24
